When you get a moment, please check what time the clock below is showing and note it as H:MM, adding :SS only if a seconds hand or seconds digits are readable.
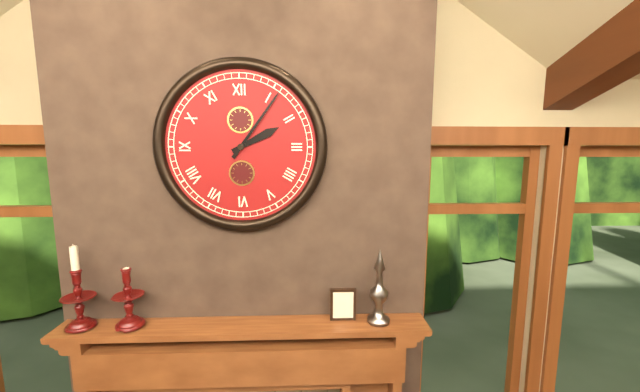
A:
2:06
